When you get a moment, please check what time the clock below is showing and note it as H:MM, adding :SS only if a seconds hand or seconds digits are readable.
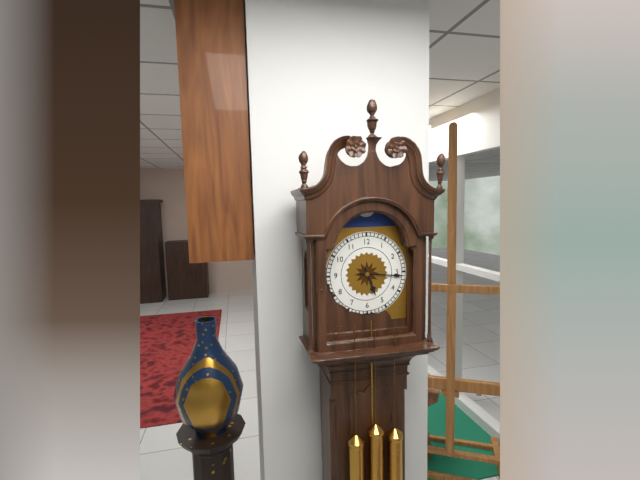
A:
5:16
